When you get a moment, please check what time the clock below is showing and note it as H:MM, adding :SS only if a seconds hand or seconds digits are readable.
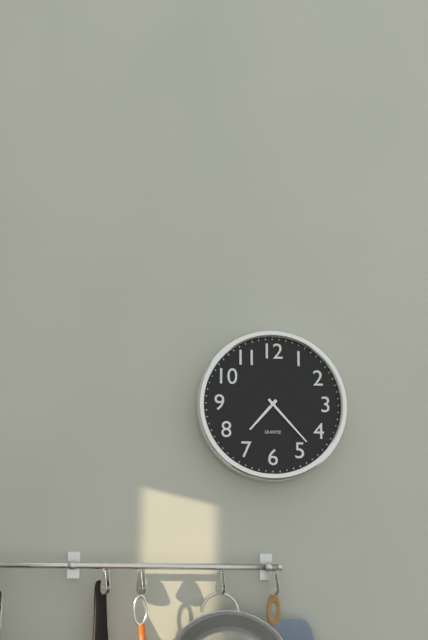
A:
7:23
